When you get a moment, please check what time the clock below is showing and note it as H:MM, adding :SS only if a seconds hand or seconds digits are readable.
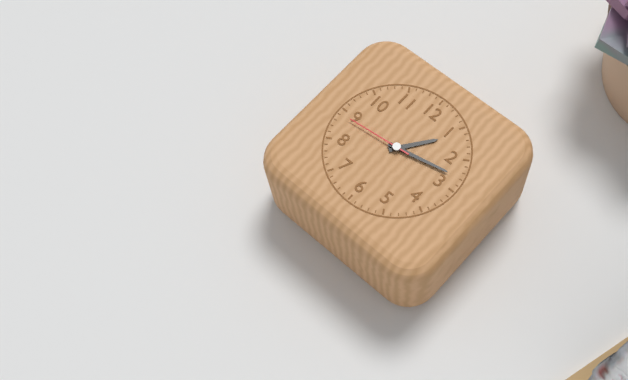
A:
1:13:44
